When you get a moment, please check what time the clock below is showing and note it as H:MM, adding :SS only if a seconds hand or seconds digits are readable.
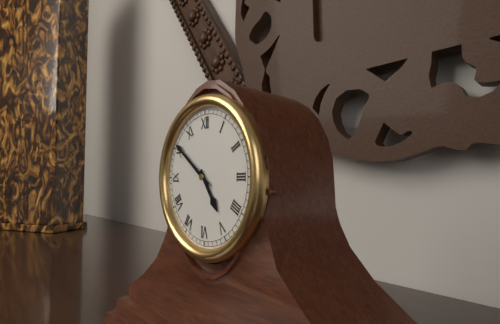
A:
4:51
